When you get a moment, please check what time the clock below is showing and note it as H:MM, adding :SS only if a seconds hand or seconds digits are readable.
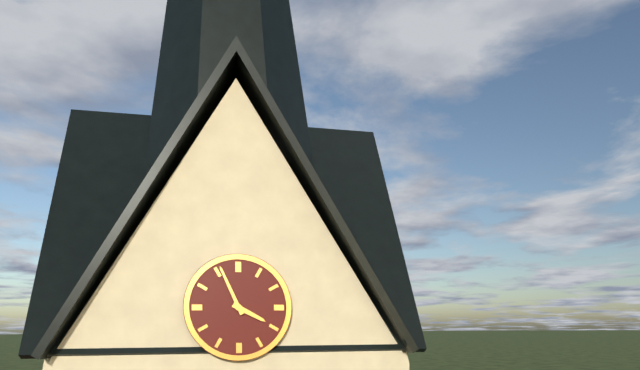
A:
3:56
